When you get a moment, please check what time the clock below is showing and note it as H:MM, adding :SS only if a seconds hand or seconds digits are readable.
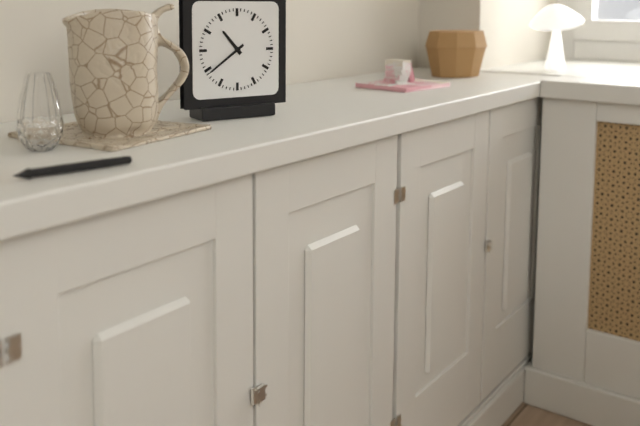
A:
10:39
